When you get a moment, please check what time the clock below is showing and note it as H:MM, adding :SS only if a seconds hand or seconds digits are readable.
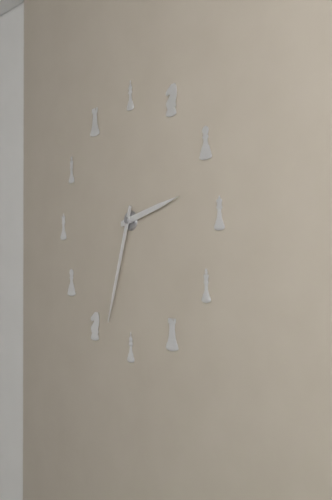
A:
2:33
